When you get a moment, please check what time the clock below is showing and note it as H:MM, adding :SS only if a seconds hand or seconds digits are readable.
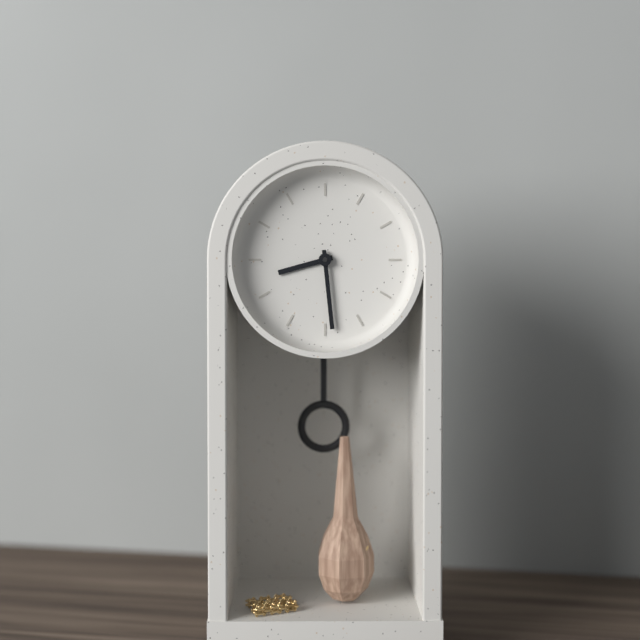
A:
8:29
